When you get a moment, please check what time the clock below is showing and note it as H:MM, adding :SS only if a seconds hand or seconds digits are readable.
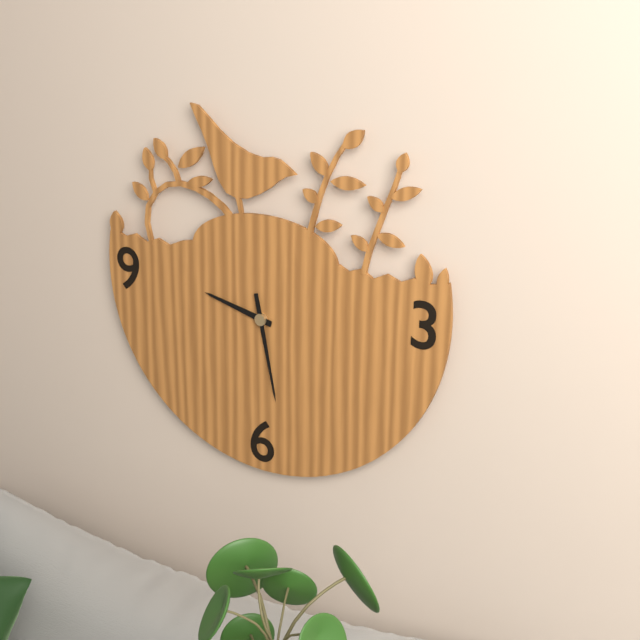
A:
9:28
